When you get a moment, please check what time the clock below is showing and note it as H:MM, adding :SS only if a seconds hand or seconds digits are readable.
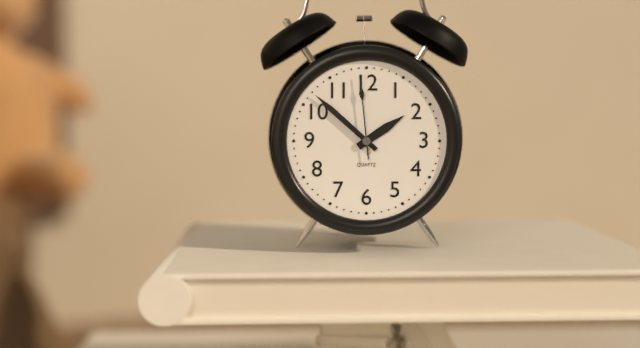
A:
1:52:59
